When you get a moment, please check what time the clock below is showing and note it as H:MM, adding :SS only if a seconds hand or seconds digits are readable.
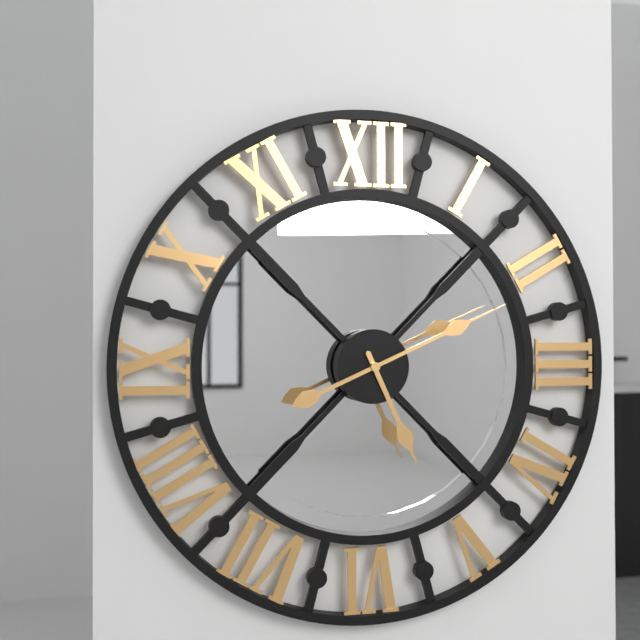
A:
5:11
